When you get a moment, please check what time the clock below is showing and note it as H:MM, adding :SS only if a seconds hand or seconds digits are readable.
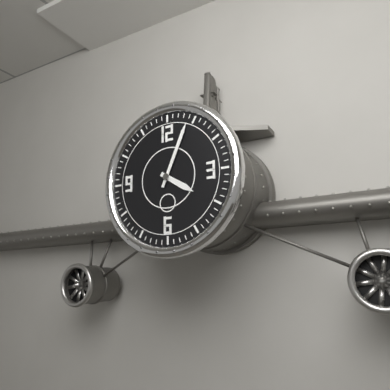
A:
4:04
